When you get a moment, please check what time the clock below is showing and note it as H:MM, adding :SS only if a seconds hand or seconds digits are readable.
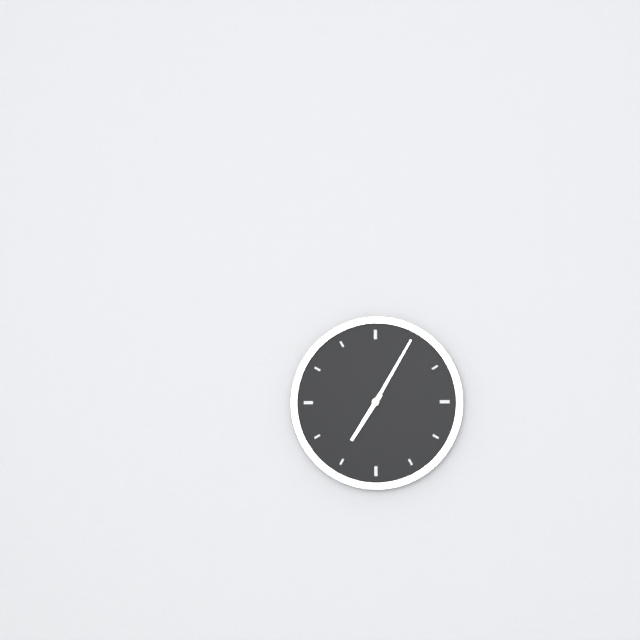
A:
7:05
